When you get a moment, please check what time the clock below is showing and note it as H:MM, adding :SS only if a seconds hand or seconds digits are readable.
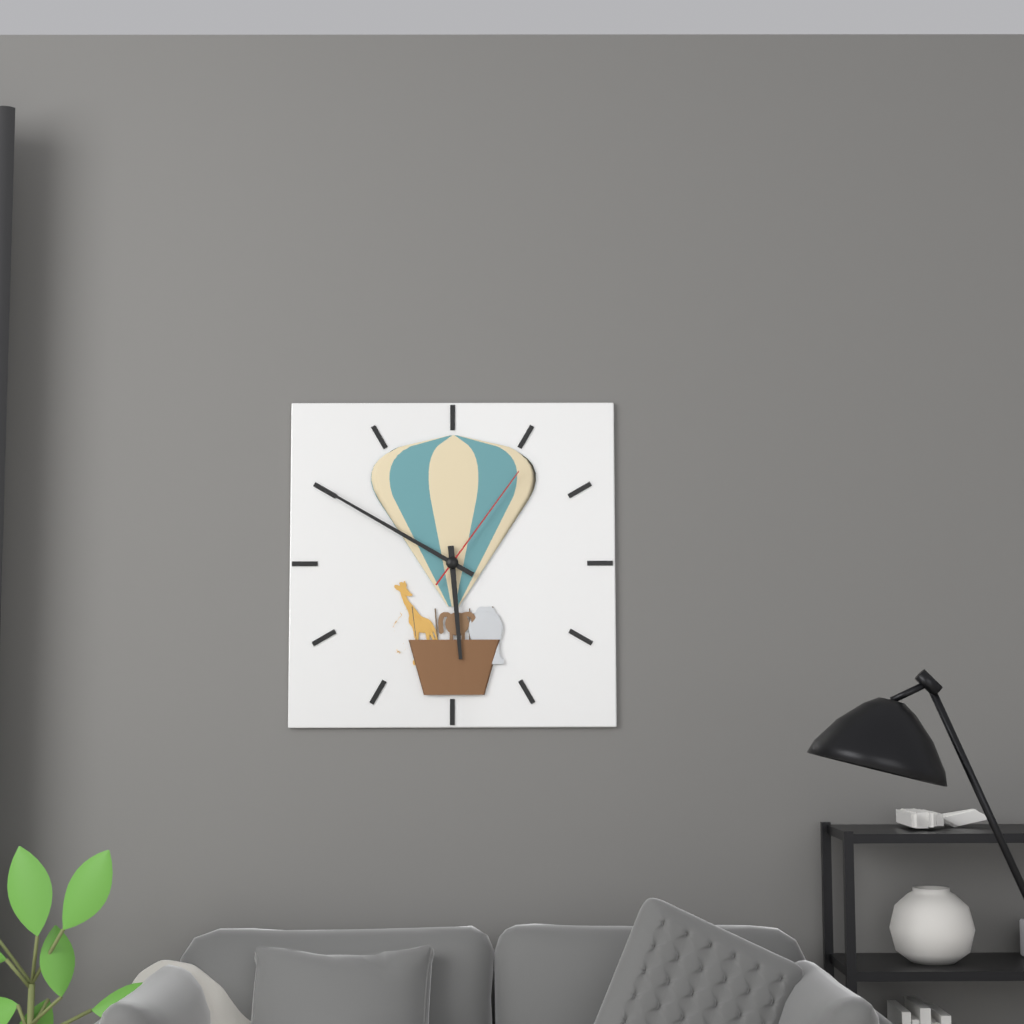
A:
5:50:06
